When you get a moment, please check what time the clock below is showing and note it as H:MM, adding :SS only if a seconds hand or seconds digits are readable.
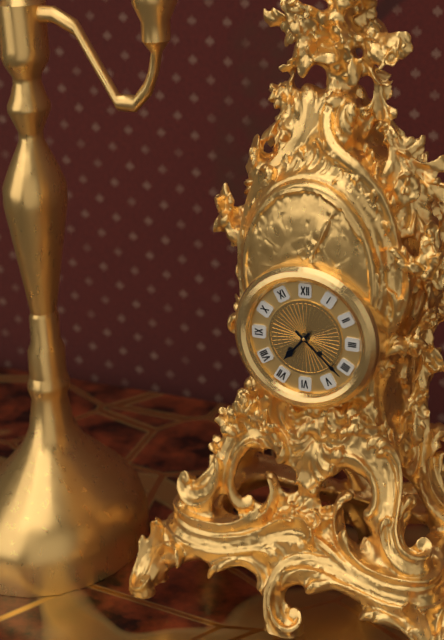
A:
7:22
